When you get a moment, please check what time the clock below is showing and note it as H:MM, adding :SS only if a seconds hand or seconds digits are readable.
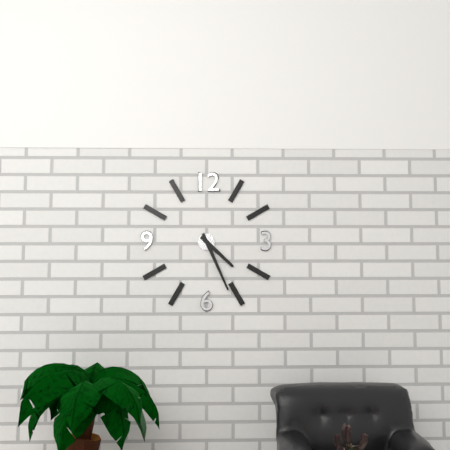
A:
4:26
